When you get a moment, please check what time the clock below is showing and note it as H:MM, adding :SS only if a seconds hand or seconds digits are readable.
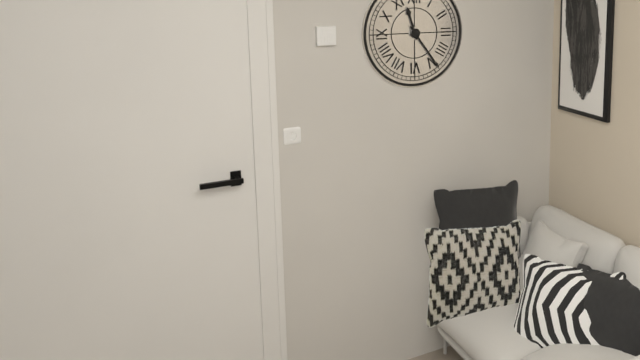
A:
11:24
